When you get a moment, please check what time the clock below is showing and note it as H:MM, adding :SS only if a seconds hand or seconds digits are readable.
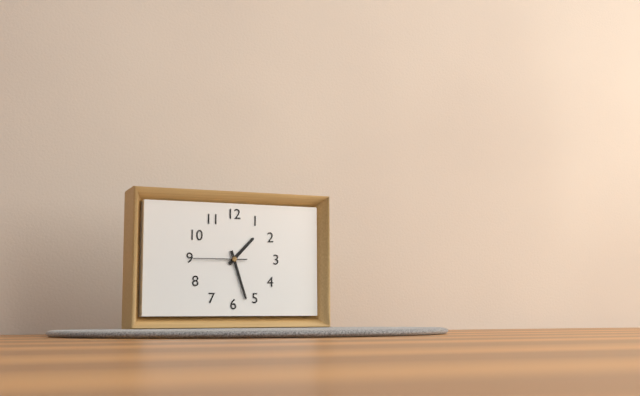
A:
1:27:45
